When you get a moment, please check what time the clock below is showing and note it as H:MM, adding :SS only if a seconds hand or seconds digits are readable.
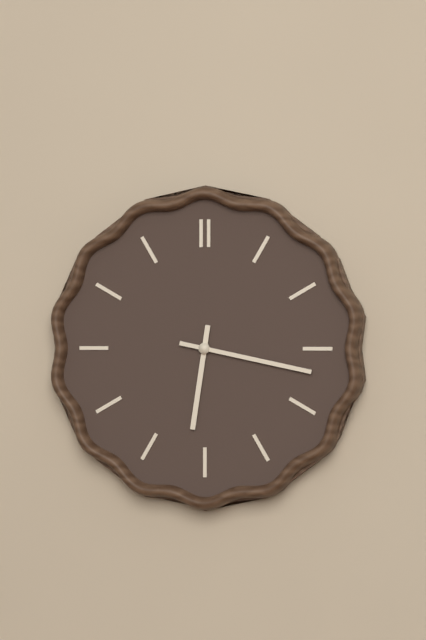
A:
6:17
